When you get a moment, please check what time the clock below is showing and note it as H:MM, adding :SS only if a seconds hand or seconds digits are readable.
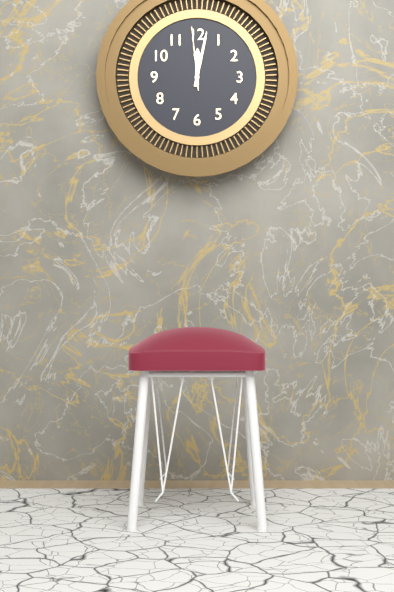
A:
12:02:59
